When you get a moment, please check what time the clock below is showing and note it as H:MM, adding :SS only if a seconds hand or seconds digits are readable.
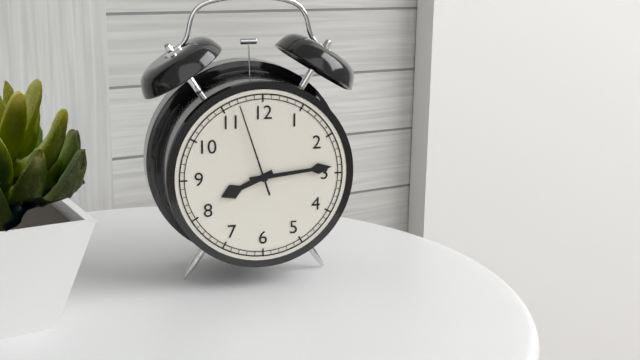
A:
8:14:57
